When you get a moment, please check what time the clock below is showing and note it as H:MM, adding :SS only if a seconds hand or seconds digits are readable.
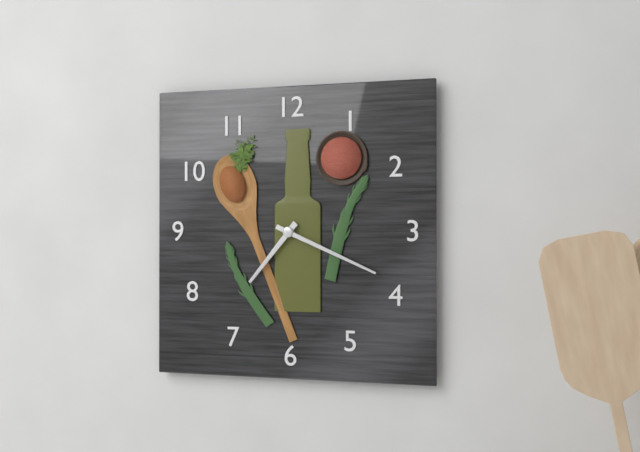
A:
7:19
